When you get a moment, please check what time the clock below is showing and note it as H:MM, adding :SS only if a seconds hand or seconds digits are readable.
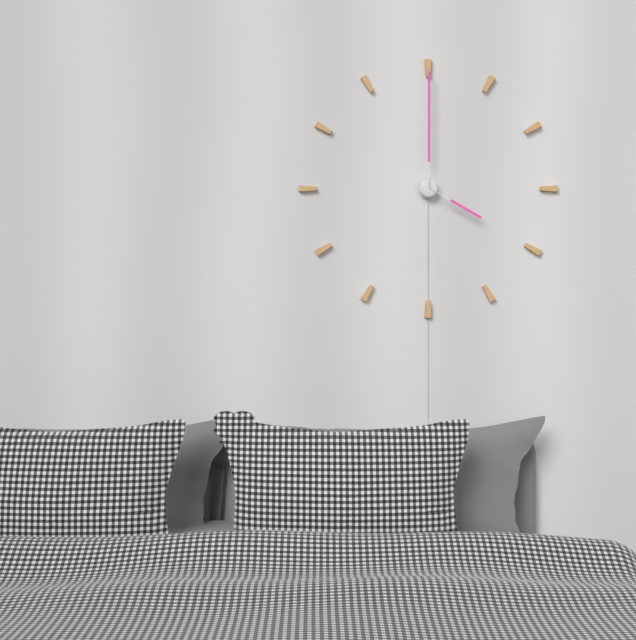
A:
4:00
